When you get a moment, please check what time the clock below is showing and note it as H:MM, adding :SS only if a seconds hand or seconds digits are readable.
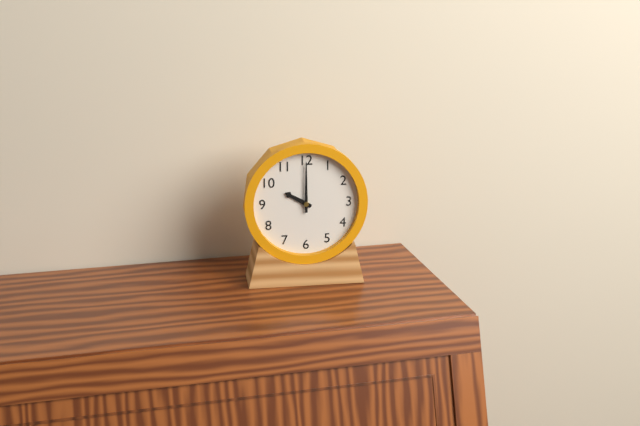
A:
10:00
